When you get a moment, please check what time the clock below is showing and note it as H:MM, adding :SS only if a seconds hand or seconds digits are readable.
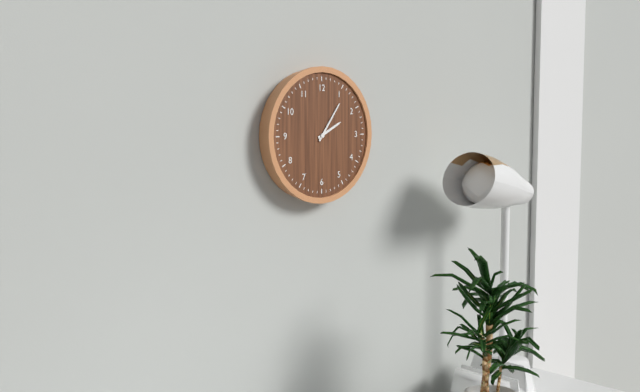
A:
2:06
